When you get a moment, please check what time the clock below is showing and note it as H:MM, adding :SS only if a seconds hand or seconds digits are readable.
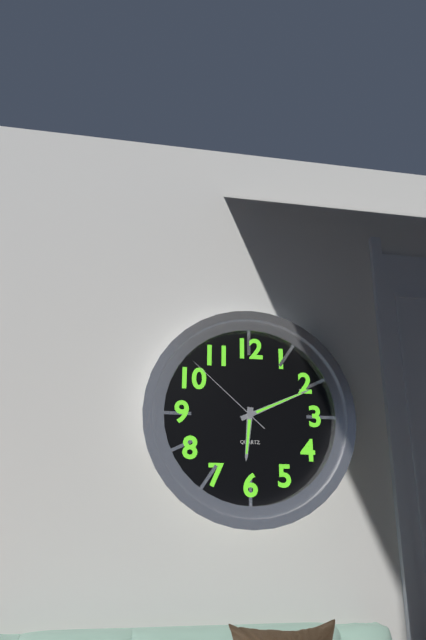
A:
6:11:52
